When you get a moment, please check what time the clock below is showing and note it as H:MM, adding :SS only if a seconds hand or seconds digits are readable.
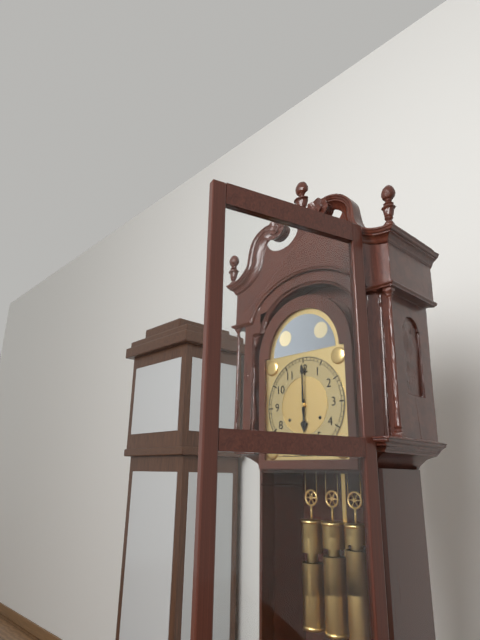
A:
6:00
